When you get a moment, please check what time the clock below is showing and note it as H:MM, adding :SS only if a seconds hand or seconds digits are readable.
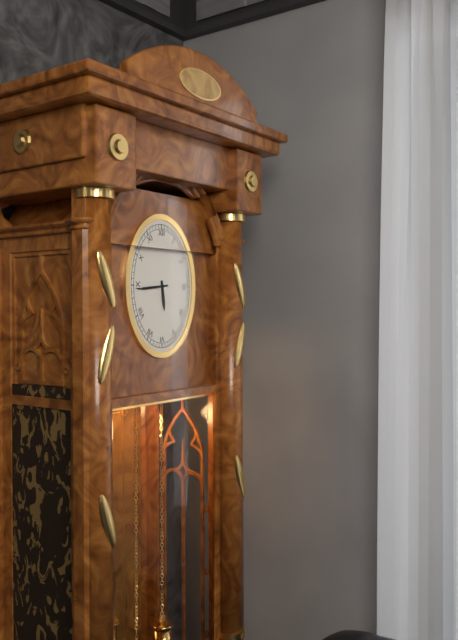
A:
5:44
